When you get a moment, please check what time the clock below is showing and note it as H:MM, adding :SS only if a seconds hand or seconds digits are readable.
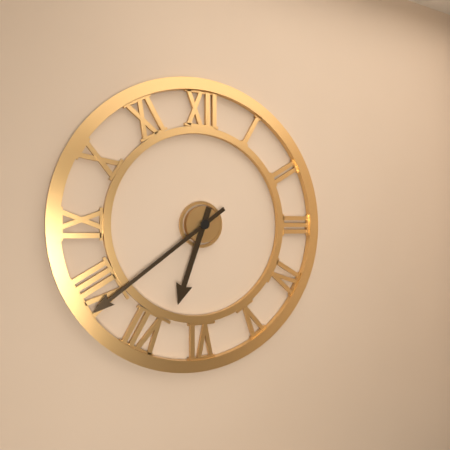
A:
6:39
